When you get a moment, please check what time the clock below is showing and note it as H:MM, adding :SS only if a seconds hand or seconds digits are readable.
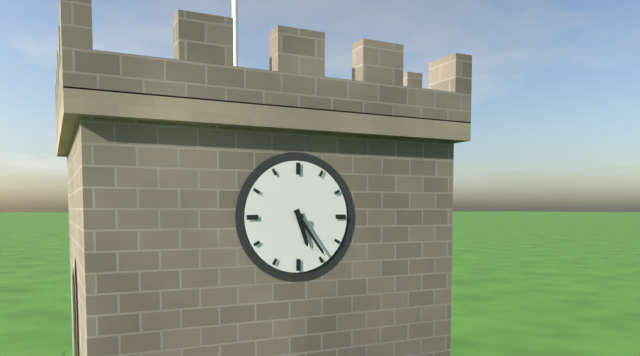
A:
5:24
